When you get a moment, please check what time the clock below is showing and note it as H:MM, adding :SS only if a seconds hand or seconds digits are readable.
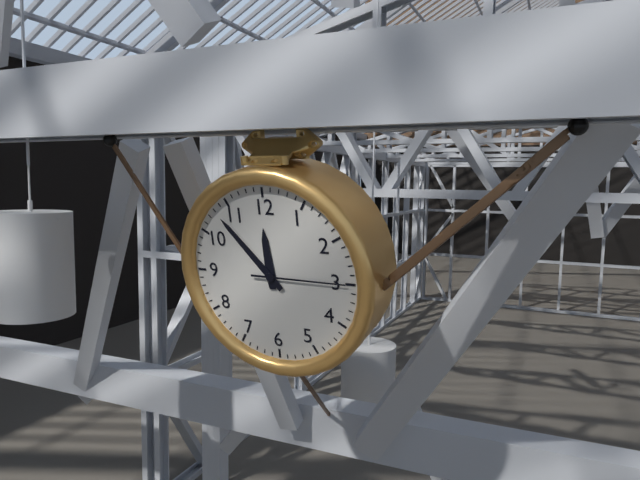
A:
11:53:15
